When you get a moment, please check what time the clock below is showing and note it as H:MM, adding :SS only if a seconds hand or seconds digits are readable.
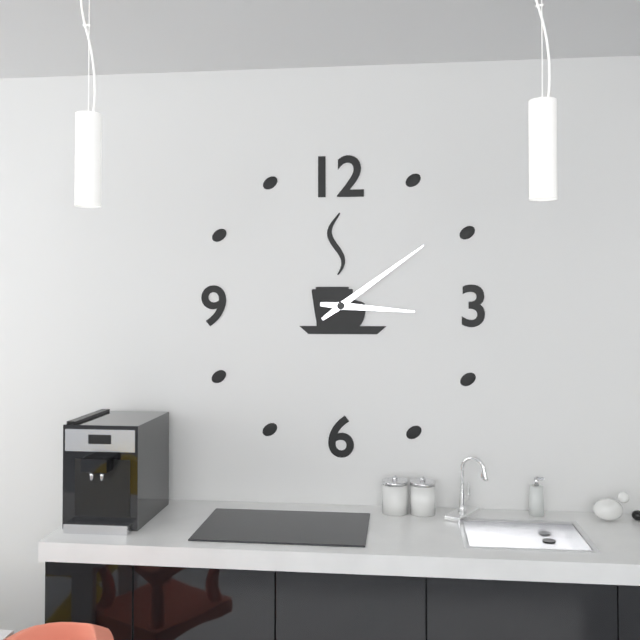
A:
3:09
